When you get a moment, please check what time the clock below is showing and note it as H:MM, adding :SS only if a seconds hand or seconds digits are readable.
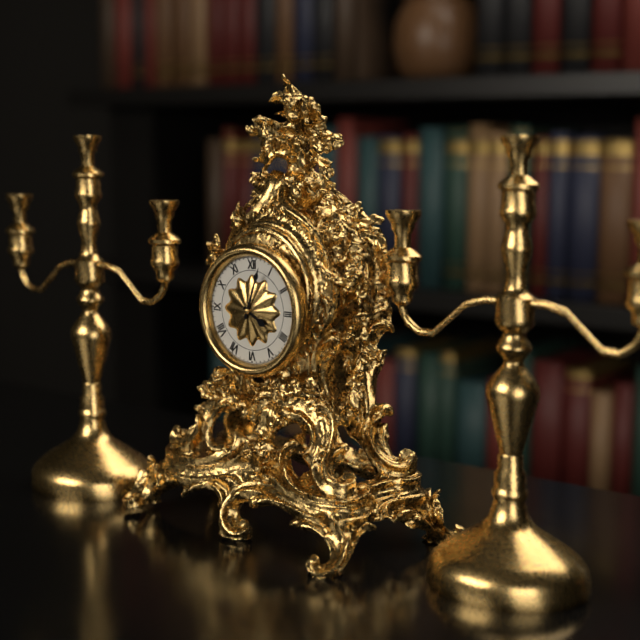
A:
4:03
